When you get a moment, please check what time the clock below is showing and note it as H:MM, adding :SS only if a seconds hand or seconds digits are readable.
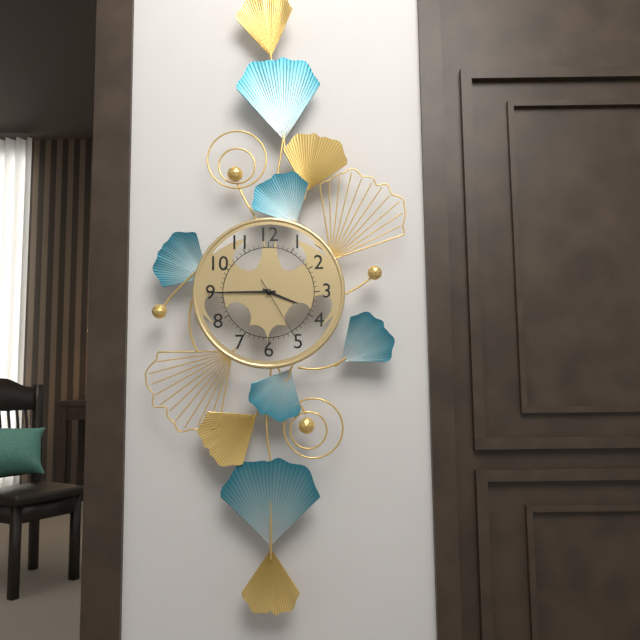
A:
3:45:25
